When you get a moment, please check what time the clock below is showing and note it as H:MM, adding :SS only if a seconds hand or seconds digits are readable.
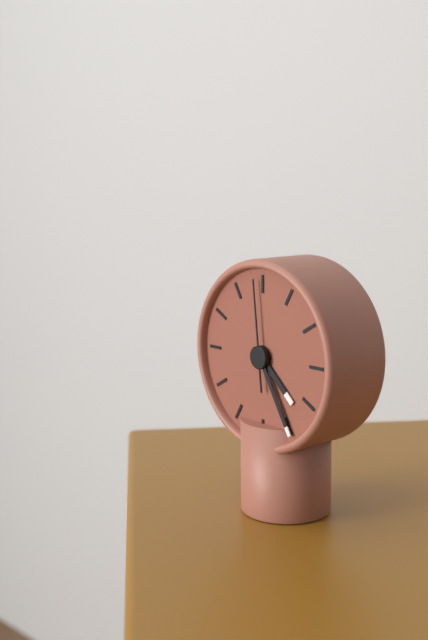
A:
4:25:59
